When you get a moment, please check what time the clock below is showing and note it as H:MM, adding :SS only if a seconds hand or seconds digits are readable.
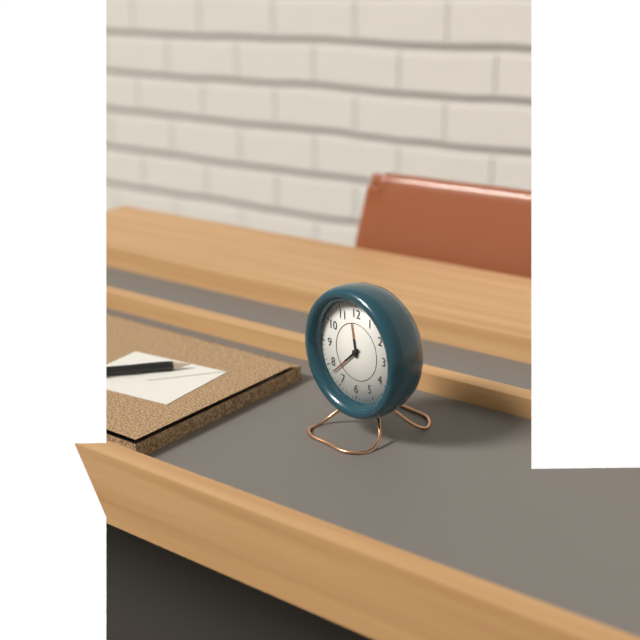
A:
11:38
